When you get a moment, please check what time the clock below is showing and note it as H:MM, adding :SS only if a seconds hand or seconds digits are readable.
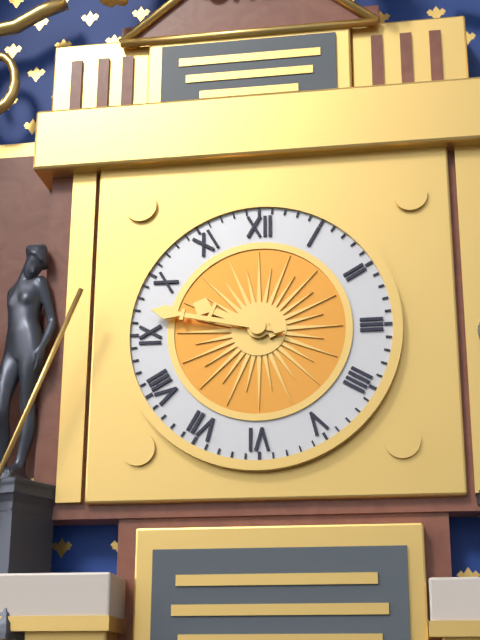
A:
9:47
